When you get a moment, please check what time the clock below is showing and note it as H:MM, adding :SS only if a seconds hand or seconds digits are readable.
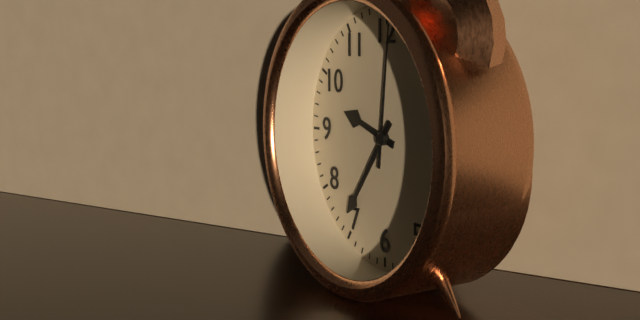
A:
9:36:01
